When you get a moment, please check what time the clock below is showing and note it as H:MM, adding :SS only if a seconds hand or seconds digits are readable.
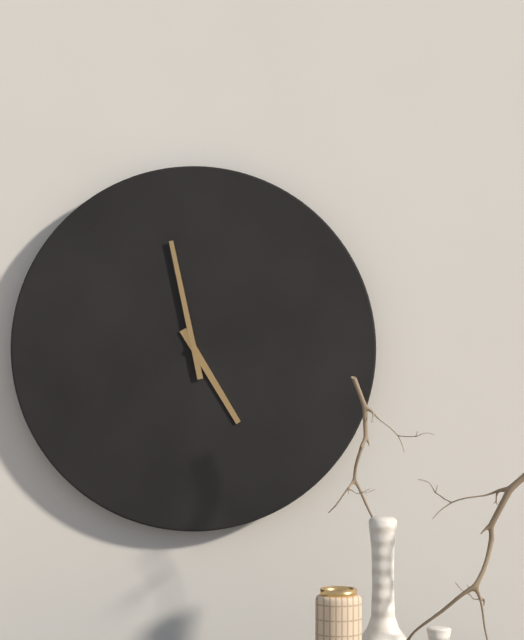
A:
4:58
